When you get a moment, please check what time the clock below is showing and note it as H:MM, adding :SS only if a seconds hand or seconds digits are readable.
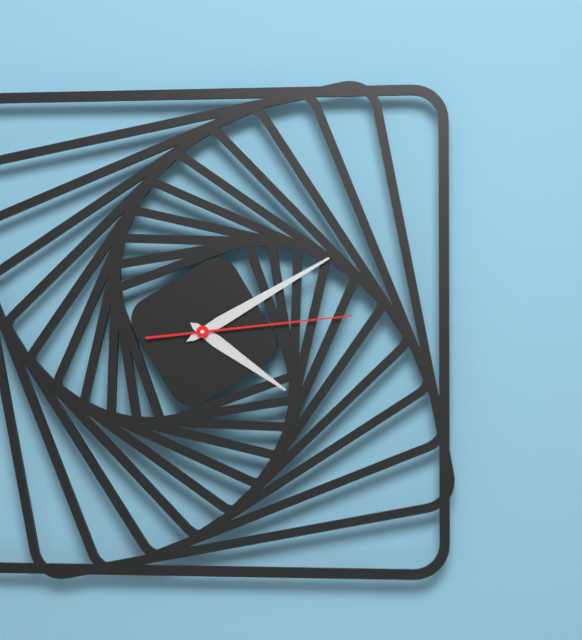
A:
4:10:14
